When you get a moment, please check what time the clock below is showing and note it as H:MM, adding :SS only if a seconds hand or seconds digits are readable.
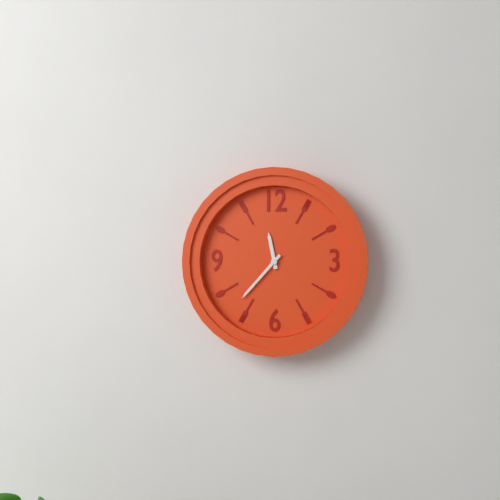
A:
11:37
